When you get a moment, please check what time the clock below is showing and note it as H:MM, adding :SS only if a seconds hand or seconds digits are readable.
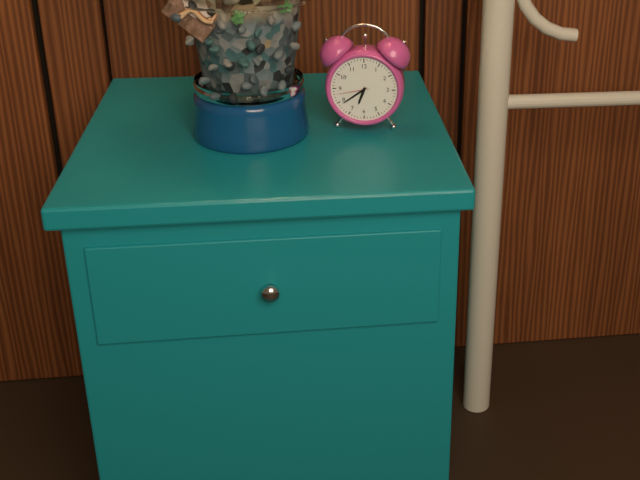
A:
6:39
